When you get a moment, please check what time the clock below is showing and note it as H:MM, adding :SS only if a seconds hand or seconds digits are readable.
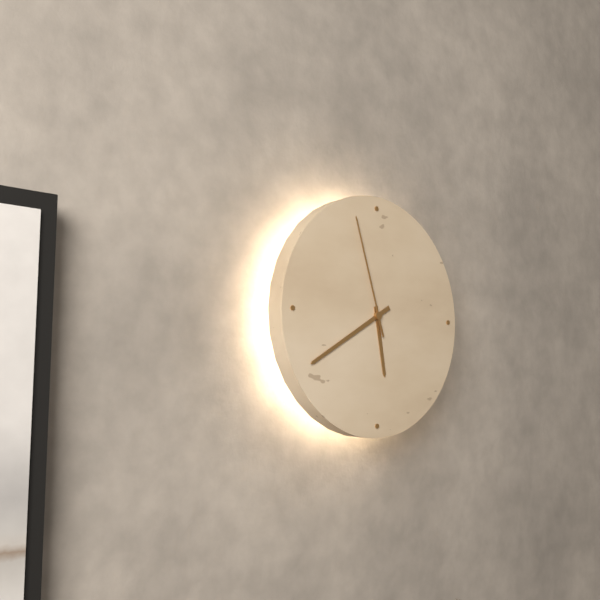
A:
5:40:57
